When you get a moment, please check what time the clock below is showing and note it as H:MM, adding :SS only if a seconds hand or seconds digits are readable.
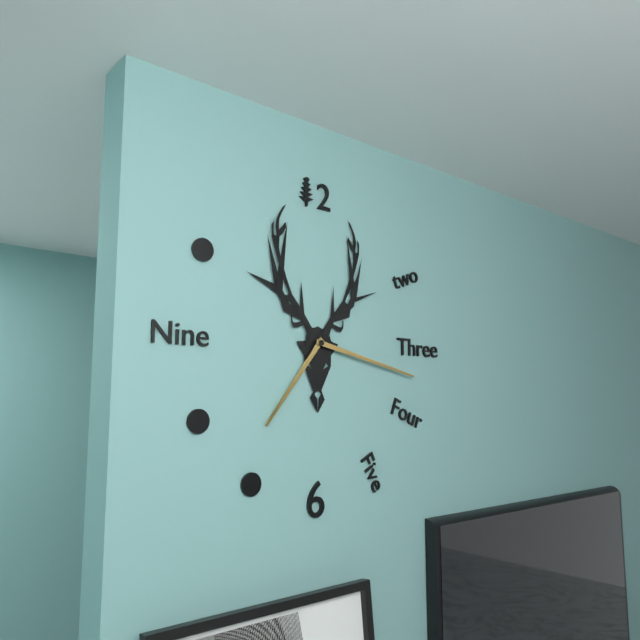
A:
7:17
